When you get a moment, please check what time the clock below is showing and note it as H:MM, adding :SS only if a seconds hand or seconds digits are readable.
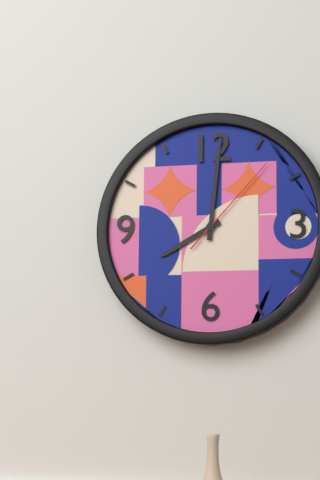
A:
8:01:07
